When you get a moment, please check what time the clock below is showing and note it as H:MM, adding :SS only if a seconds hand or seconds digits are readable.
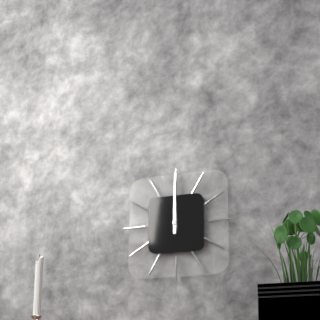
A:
12:00
